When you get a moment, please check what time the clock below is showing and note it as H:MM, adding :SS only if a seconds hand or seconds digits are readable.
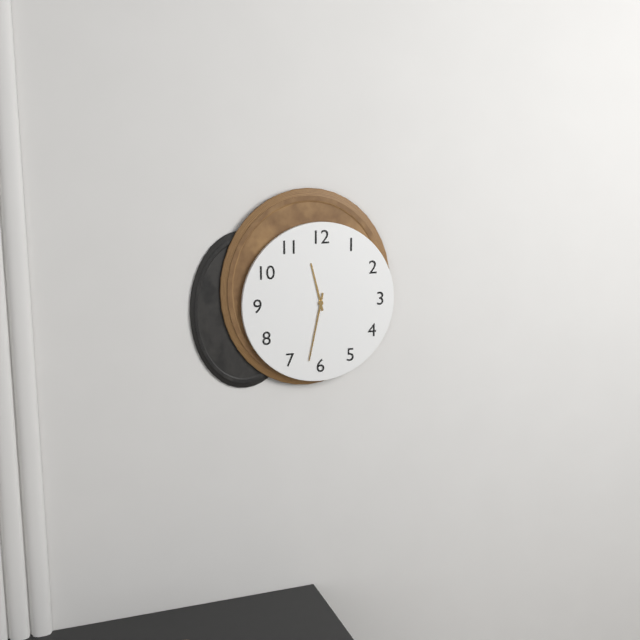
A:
11:32
